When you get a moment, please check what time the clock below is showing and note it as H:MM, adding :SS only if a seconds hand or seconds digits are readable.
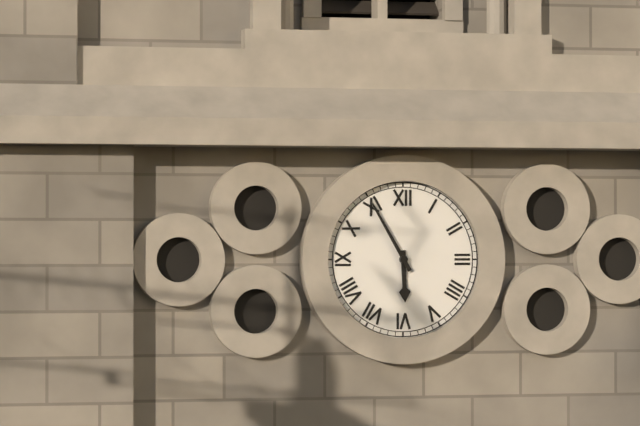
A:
5:55
